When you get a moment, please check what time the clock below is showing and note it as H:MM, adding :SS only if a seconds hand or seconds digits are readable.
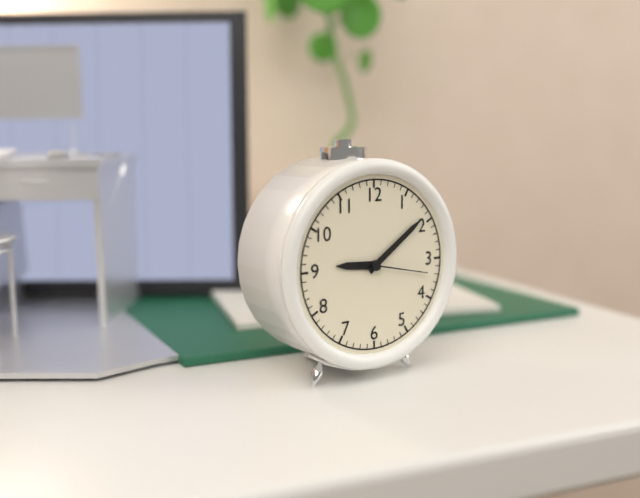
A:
9:09:17
